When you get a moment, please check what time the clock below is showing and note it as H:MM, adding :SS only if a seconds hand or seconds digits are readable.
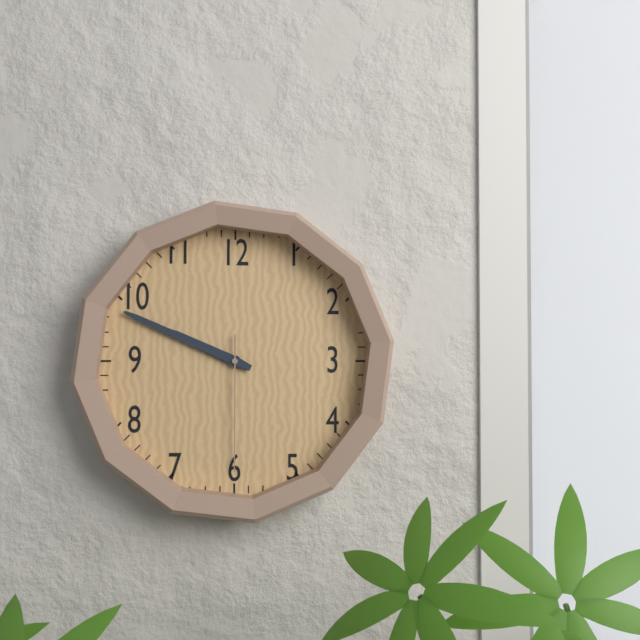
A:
9:49:30
